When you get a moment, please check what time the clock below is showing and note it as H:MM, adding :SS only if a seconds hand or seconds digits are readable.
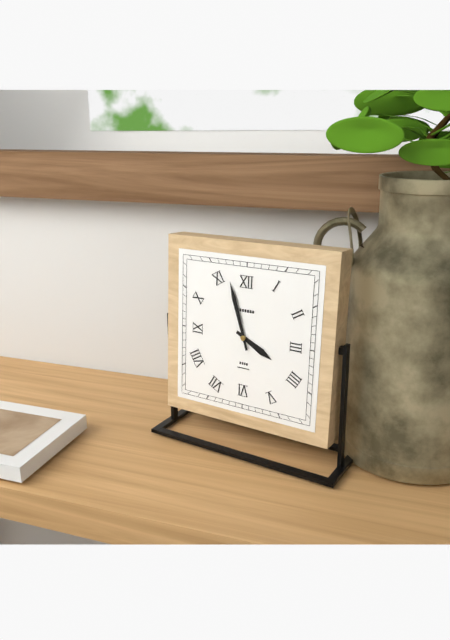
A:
3:57
